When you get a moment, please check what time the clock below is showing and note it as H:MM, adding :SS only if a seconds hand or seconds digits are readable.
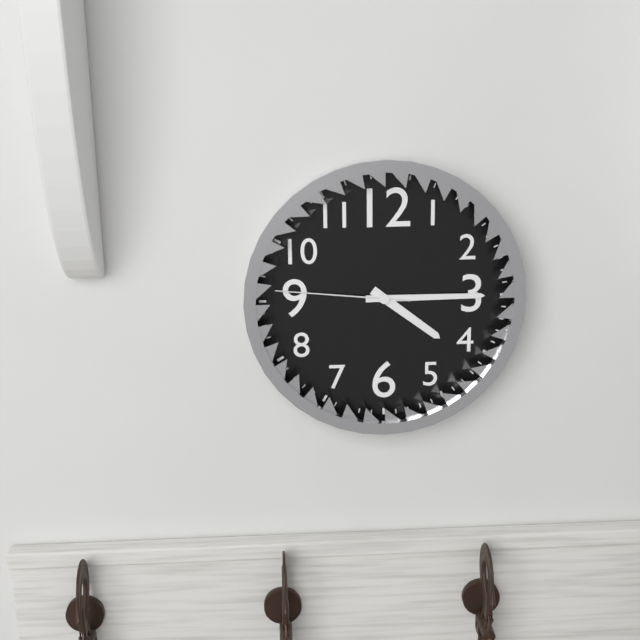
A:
4:15:46
